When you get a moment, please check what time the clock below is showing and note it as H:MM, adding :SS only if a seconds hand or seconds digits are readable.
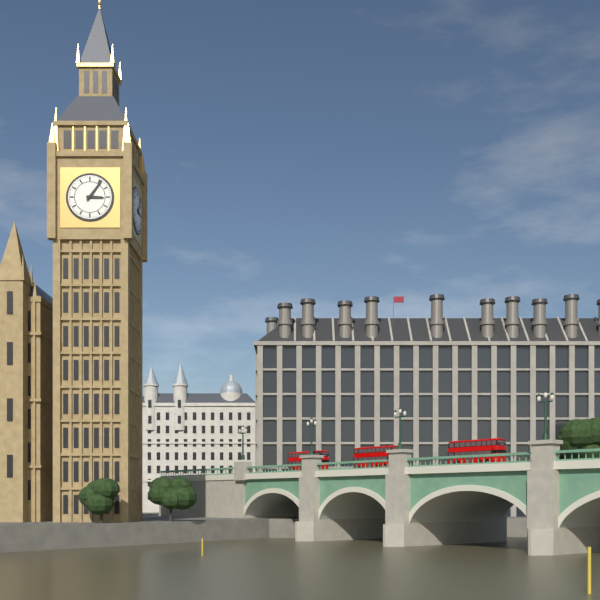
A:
3:06
